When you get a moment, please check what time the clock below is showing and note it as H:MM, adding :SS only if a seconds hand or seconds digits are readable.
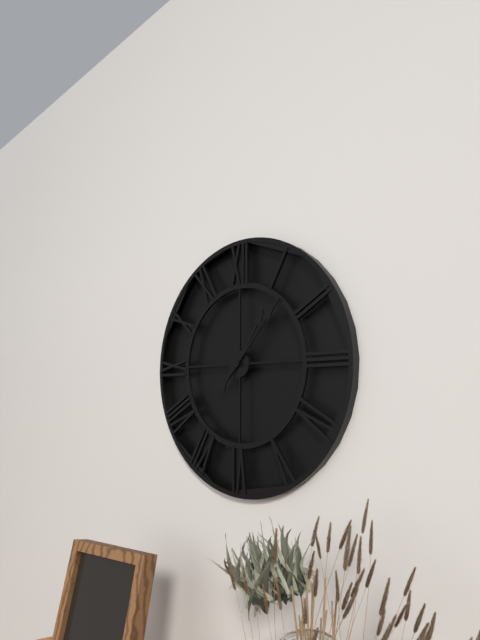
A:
1:07
